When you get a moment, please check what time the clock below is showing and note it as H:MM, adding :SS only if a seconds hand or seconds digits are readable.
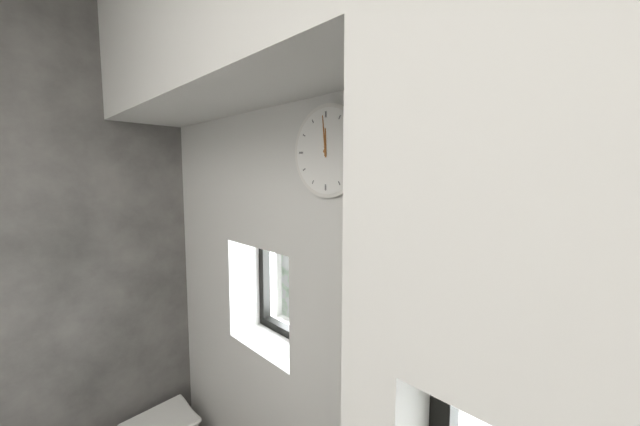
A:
11:59
